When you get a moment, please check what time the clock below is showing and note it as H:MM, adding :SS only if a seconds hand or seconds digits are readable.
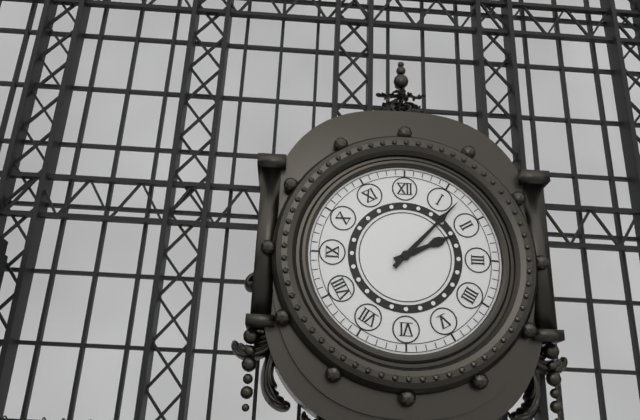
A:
2:07
